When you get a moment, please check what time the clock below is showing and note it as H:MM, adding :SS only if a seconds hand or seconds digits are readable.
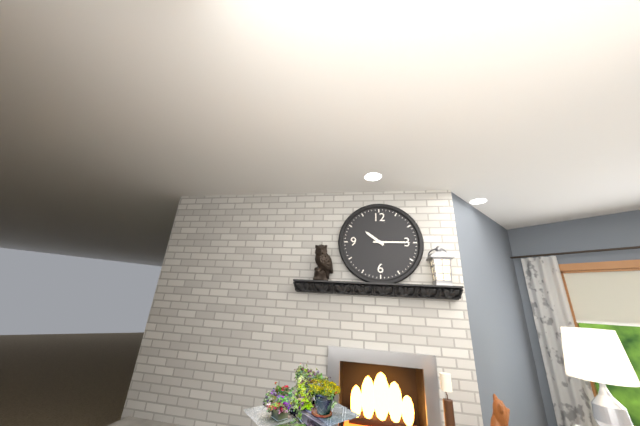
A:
10:15
